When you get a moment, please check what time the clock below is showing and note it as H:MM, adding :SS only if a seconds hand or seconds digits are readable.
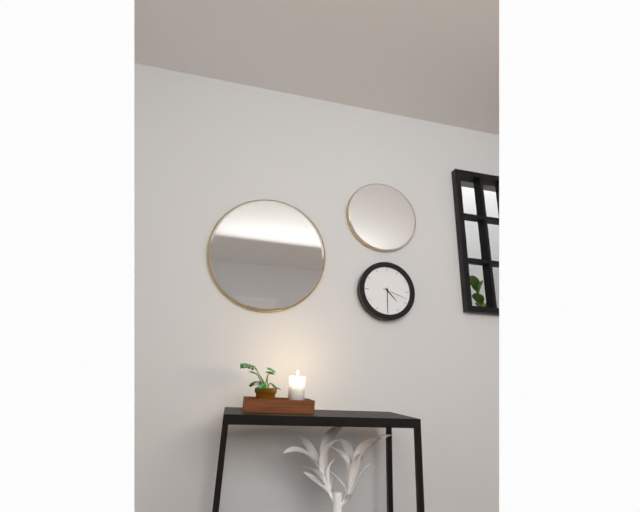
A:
4:30
